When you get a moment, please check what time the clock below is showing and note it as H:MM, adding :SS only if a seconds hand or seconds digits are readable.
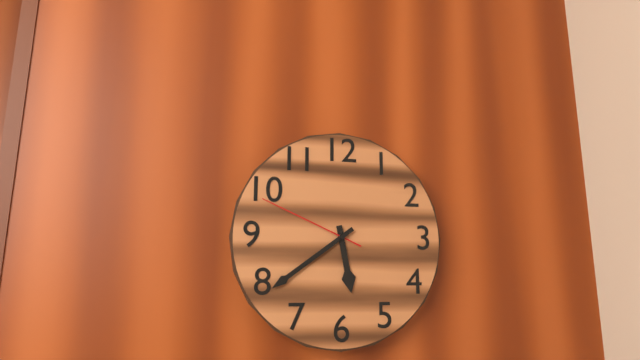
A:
5:39:49
